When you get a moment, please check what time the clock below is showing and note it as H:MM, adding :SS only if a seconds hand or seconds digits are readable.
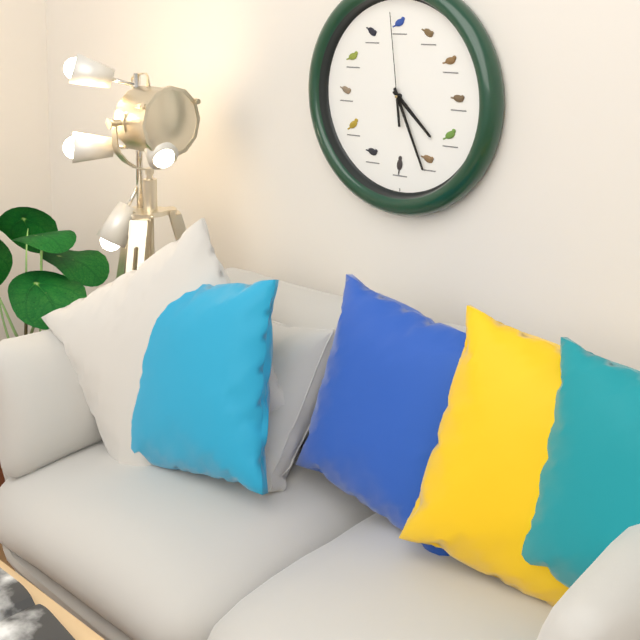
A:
4:26:59
